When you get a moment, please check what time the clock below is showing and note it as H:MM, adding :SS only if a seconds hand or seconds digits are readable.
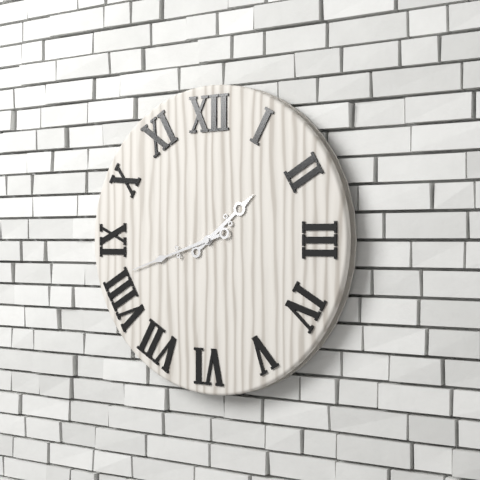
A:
1:42
